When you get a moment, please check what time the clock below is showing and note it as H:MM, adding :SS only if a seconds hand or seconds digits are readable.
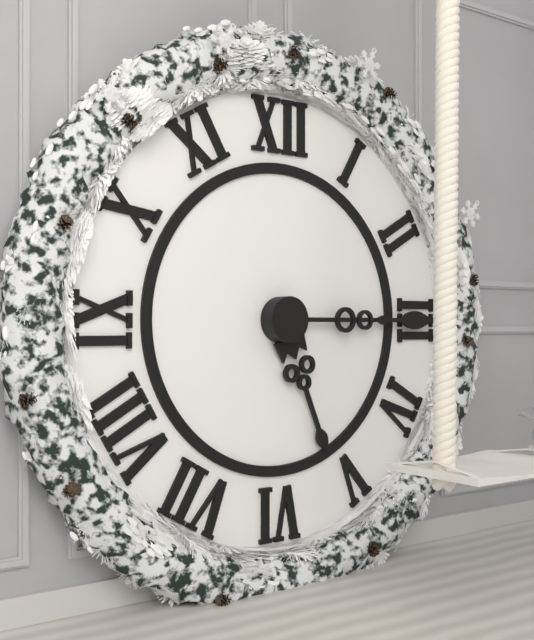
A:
5:15
